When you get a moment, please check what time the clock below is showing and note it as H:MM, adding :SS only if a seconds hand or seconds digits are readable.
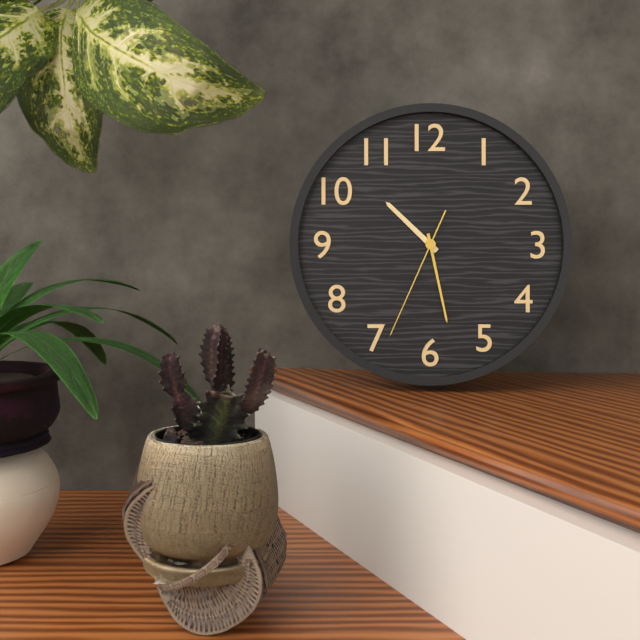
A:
10:28:34
